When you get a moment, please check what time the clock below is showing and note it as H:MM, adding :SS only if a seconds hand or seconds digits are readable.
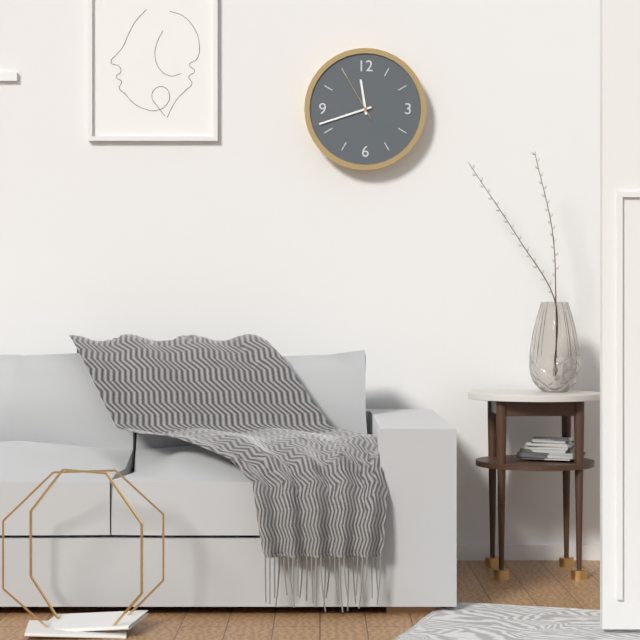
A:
11:42:55
